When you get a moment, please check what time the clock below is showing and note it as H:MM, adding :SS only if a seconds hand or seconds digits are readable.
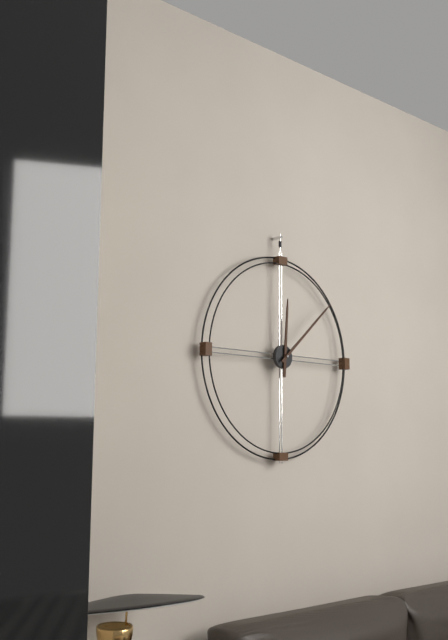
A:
12:08
